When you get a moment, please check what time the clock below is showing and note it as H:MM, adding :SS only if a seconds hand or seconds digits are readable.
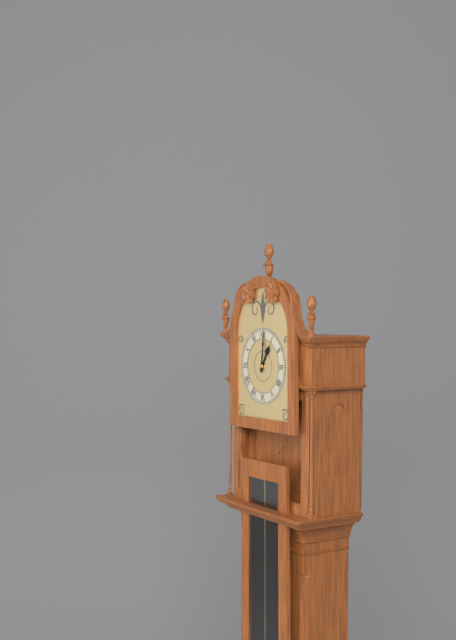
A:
1:01
